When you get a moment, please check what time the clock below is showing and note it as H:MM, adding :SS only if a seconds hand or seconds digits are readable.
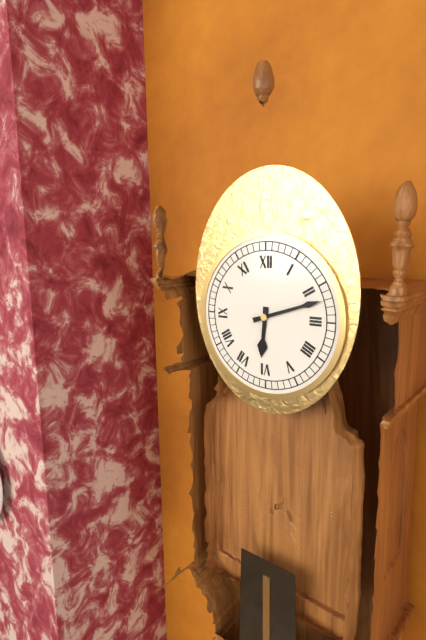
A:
6:12
